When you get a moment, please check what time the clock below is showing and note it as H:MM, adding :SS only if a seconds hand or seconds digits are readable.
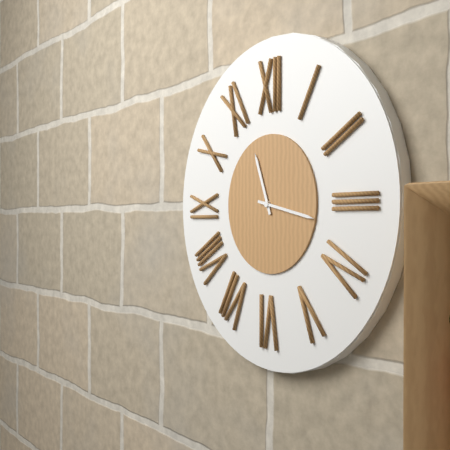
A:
11:17
